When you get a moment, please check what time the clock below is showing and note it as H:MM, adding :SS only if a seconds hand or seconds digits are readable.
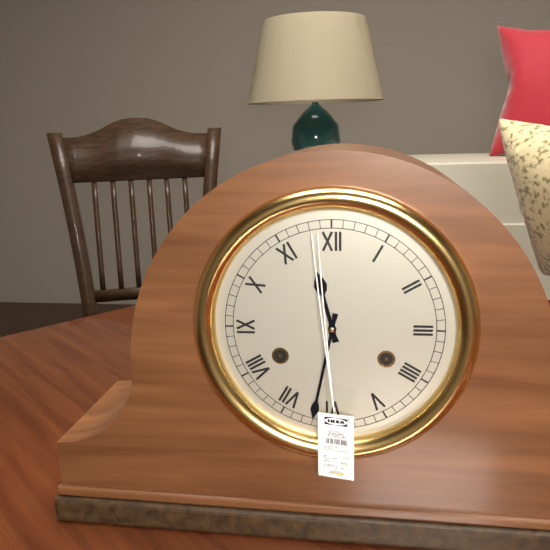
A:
11:32
